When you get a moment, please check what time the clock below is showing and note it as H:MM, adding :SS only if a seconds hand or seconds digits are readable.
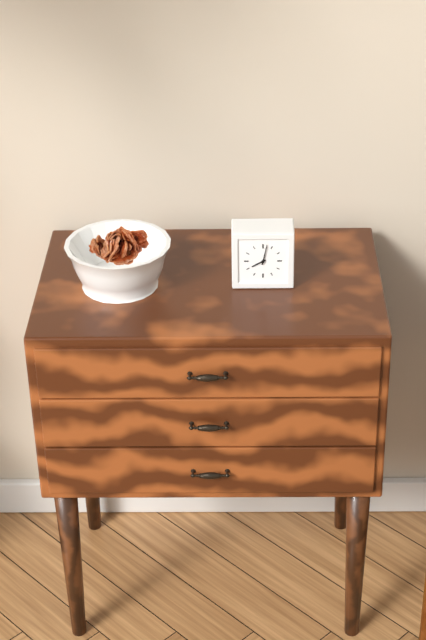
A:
8:02
